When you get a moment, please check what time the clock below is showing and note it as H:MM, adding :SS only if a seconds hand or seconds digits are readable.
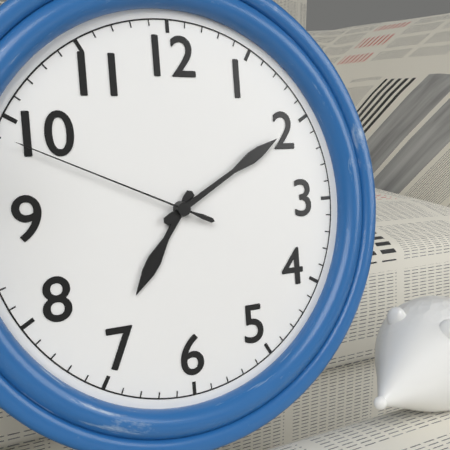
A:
7:10:49
